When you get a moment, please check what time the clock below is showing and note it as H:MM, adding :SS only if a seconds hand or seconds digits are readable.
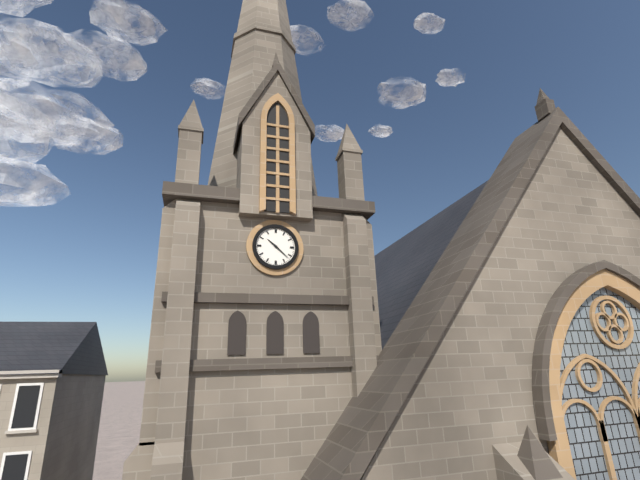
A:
10:22
